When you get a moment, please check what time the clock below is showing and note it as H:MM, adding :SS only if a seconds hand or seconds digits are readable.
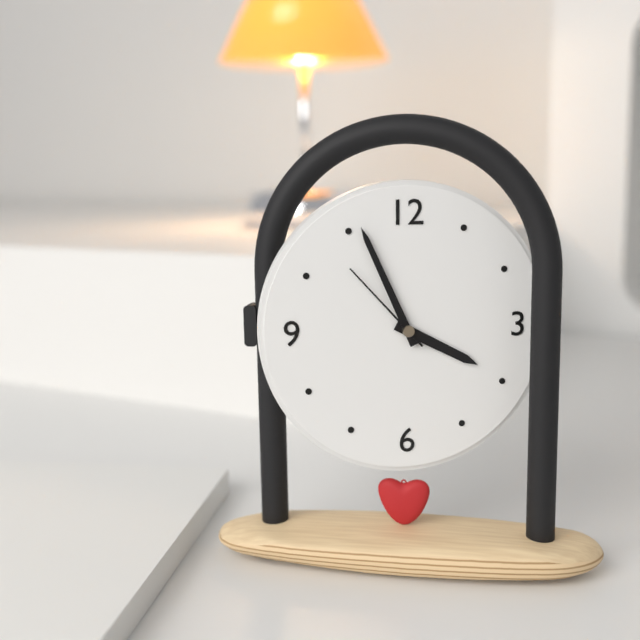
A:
3:56:53
